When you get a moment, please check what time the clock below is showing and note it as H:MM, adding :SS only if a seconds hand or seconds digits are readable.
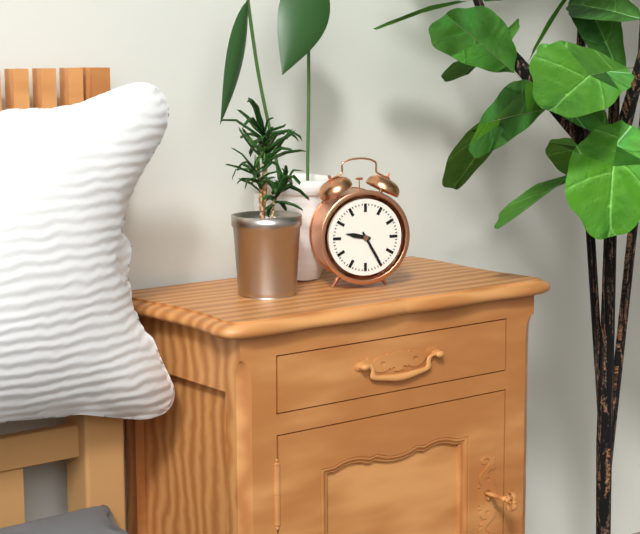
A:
9:25
